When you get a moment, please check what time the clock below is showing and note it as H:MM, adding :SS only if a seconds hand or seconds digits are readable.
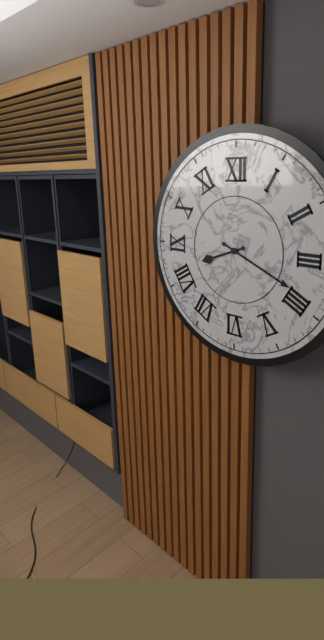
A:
8:19
